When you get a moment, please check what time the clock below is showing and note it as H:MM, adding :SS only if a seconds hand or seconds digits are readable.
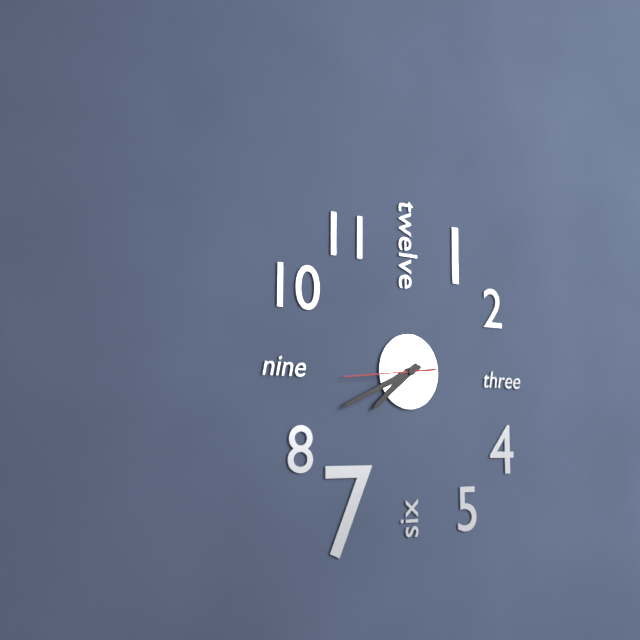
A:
7:41:44
